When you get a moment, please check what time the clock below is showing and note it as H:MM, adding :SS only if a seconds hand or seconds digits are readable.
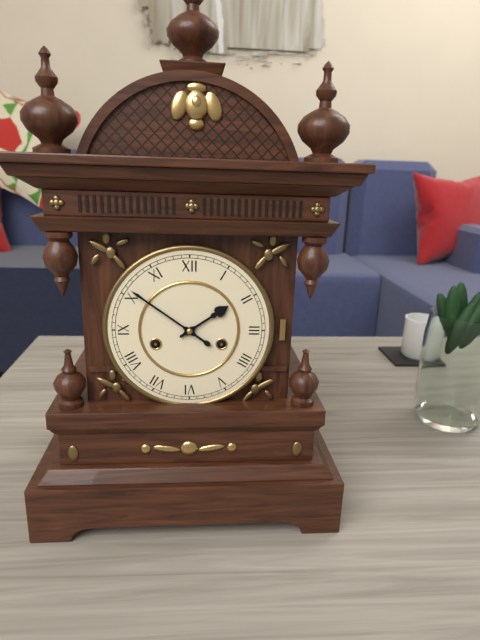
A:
1:51
